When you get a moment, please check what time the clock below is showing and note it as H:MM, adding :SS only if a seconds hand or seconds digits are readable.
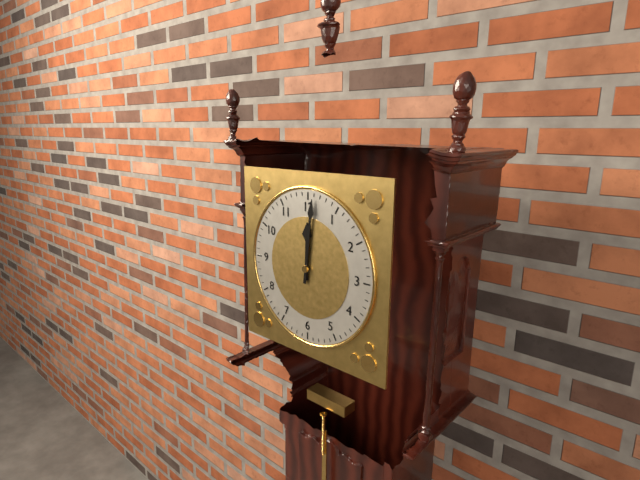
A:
12:01
